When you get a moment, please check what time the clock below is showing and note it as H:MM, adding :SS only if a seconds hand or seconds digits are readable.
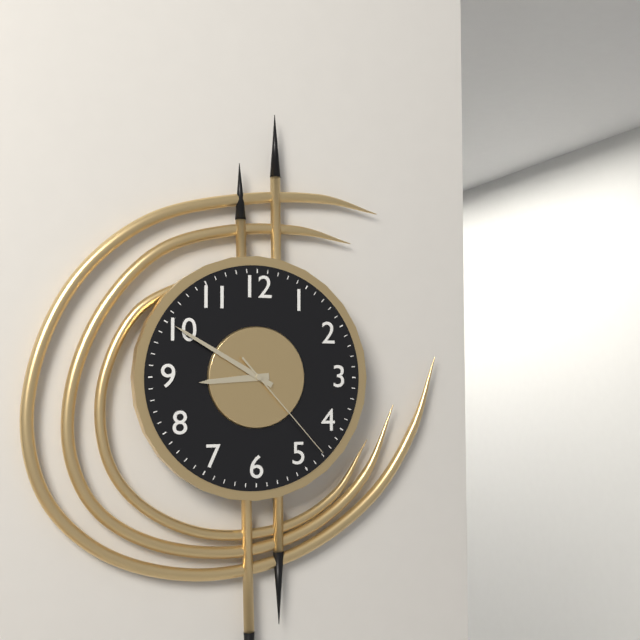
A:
8:50:23
